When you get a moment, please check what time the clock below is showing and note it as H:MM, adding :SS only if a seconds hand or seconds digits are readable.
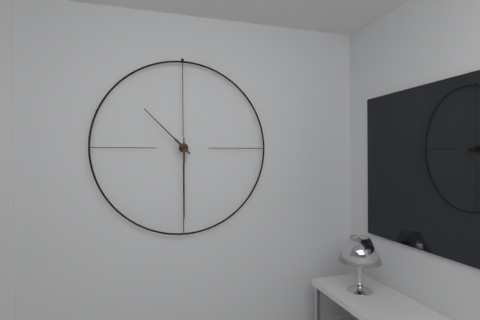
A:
10:30
